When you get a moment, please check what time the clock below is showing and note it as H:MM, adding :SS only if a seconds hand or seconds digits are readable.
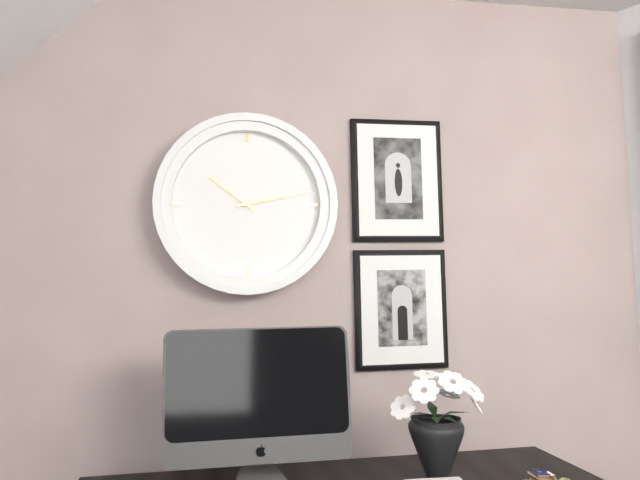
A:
10:13
